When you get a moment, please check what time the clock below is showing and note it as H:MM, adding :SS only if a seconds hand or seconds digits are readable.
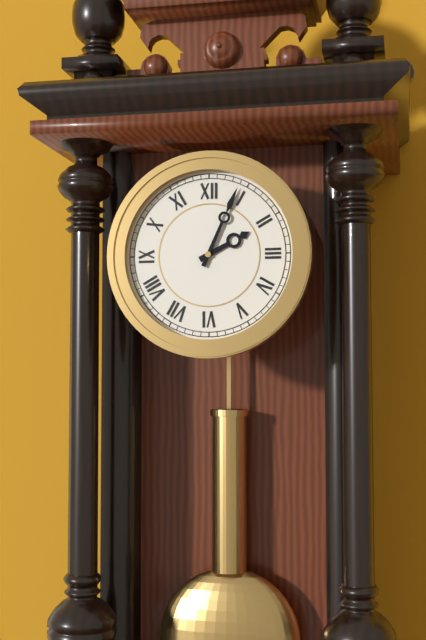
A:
2:04
